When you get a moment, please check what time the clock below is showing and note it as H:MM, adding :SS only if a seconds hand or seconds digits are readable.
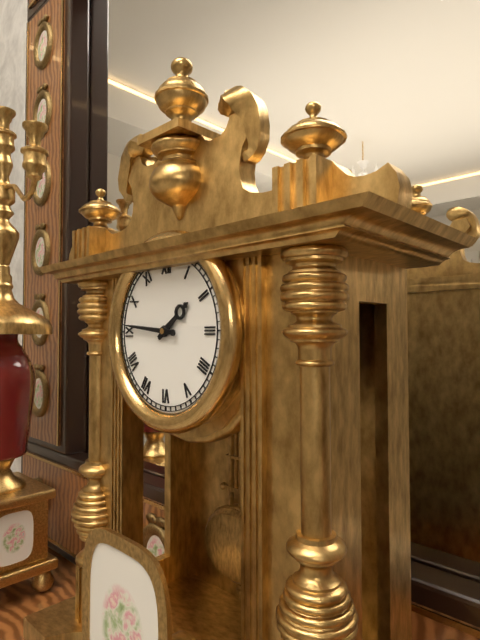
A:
1:46
